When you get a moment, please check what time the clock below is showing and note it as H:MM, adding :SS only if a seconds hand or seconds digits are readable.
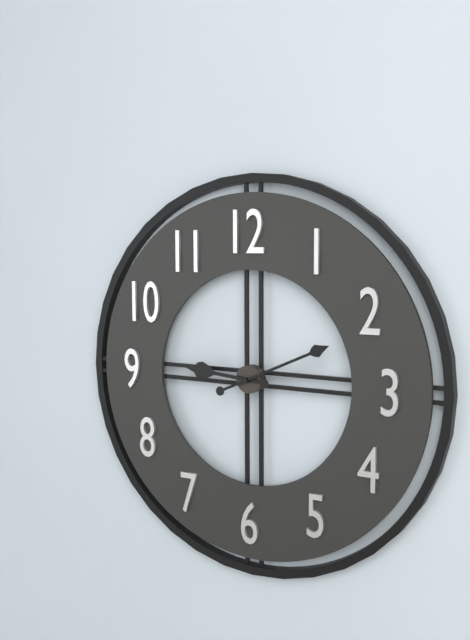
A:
9:11
